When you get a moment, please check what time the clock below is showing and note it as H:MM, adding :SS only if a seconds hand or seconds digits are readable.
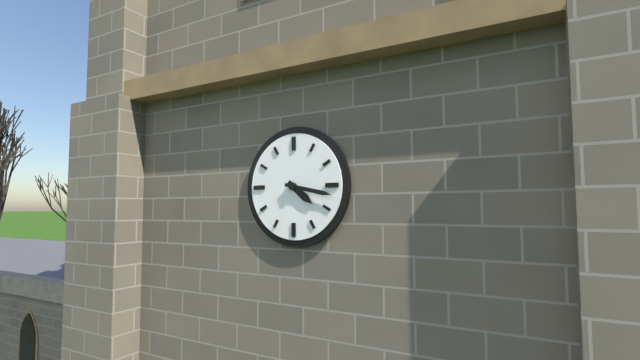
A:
4:17
